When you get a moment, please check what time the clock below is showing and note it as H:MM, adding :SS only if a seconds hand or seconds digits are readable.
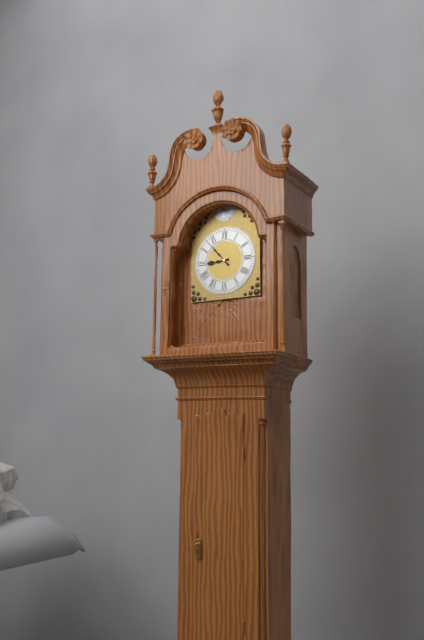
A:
8:53
